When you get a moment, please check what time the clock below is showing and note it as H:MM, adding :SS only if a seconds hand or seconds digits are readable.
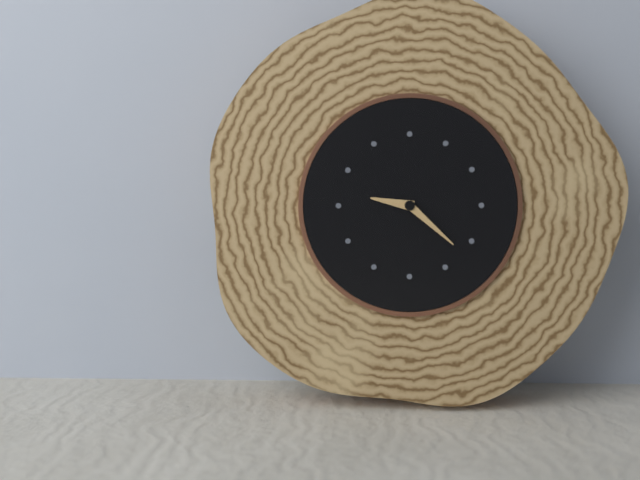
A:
9:22
